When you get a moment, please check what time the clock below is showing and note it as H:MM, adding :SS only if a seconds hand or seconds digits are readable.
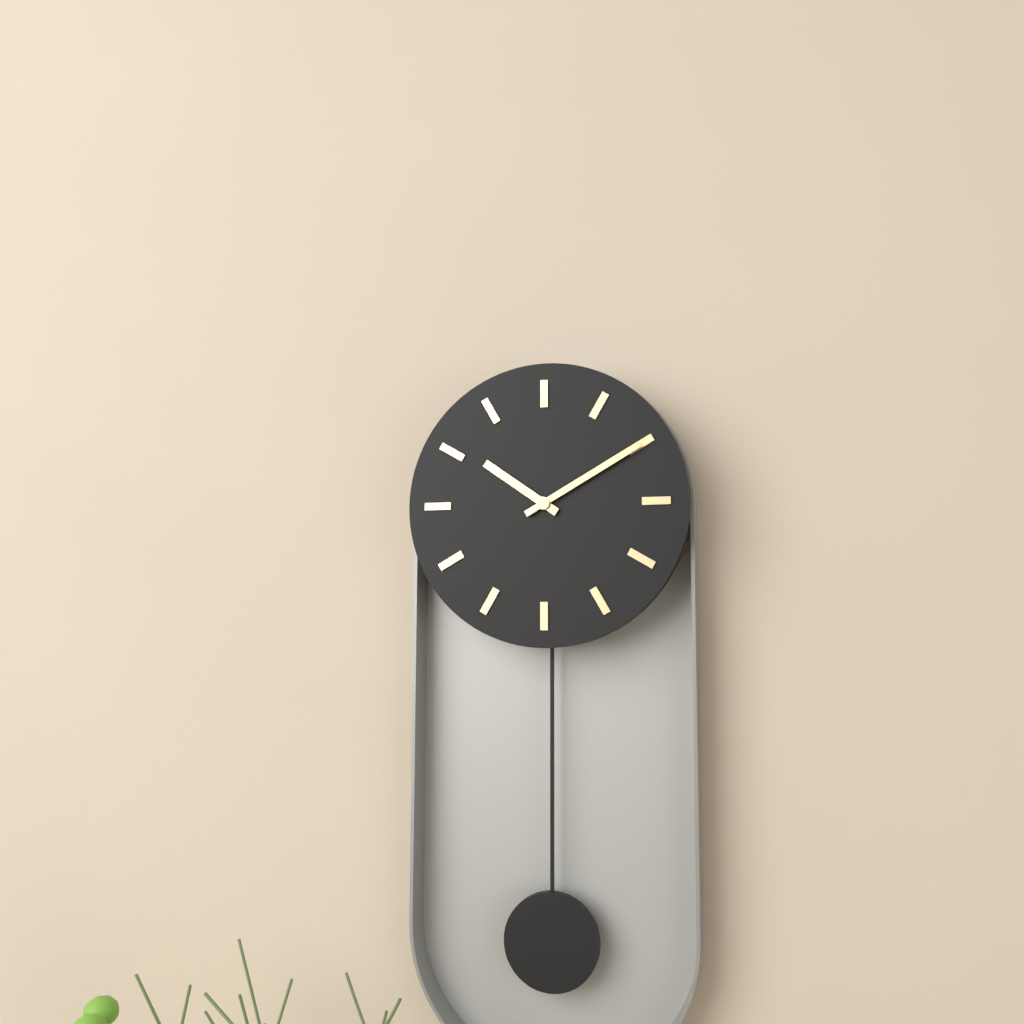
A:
10:10
